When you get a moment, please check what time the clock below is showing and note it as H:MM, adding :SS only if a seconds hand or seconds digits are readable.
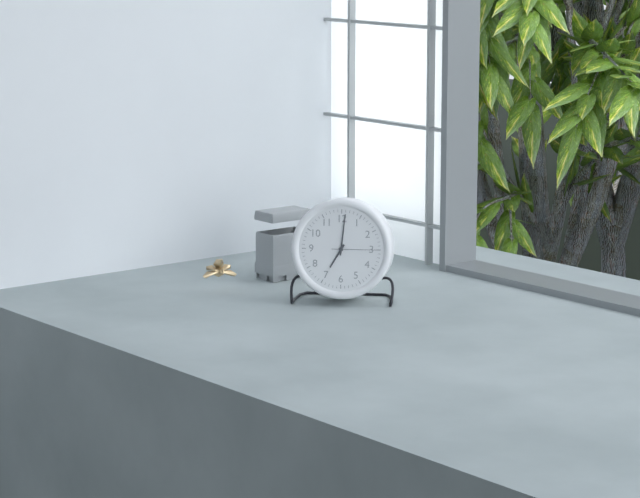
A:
7:01
